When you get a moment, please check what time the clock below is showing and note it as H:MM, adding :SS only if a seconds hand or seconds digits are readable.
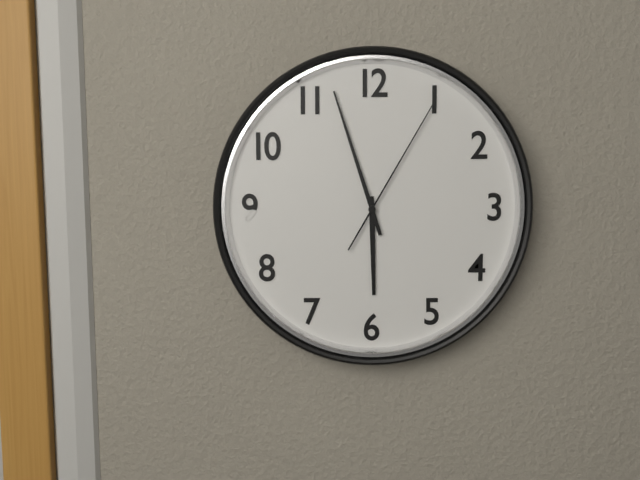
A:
5:57:05
